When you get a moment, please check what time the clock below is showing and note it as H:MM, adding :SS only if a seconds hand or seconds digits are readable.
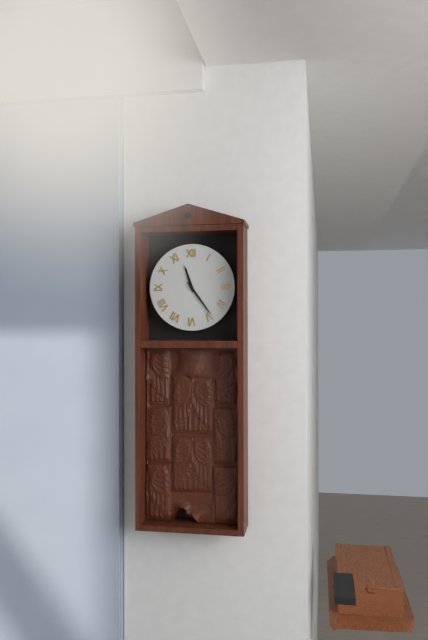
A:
11:24
